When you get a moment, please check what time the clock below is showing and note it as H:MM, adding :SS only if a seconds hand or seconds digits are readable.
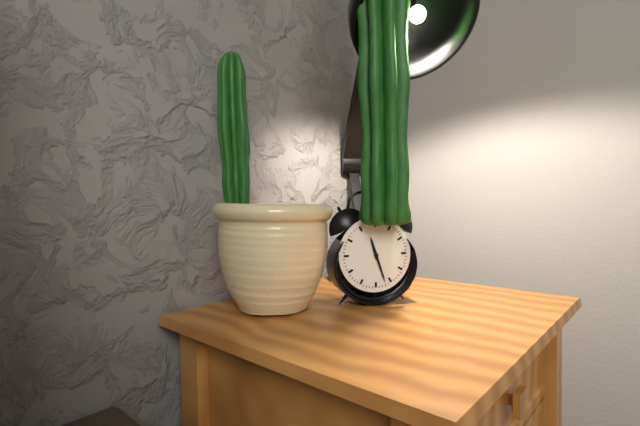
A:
11:27
